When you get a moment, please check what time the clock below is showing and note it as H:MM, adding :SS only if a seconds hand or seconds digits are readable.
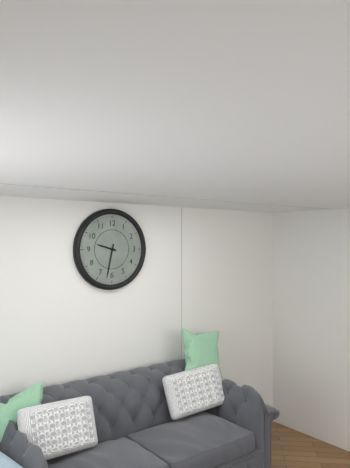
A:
9:32
